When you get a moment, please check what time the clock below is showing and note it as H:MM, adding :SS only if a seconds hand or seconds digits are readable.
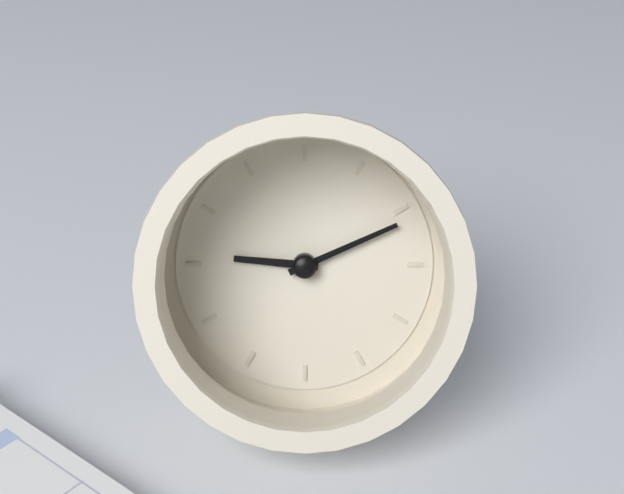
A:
9:11
